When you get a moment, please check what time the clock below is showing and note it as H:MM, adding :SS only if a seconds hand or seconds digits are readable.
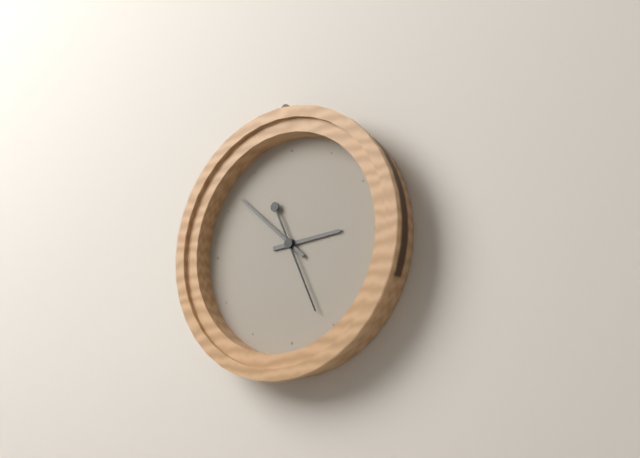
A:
2:52:26
